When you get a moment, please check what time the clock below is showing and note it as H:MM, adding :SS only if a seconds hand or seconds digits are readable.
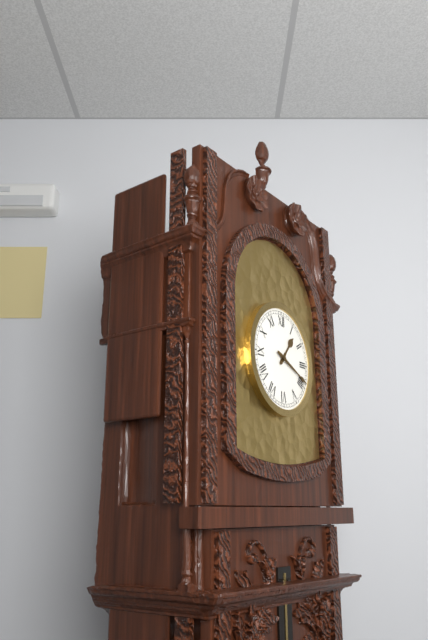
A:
1:19
